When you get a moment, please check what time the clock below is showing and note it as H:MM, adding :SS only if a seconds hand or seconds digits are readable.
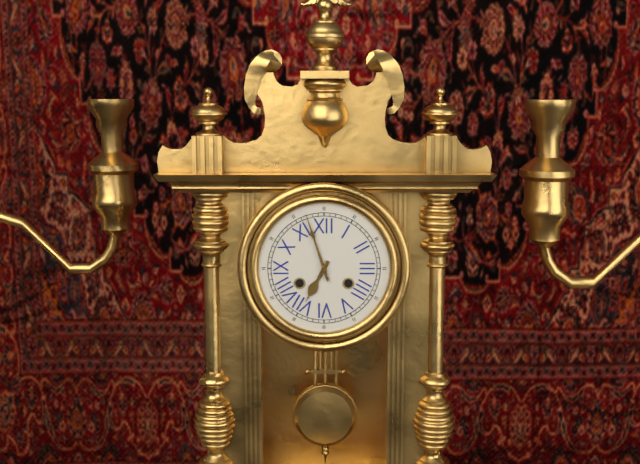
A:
6:57
